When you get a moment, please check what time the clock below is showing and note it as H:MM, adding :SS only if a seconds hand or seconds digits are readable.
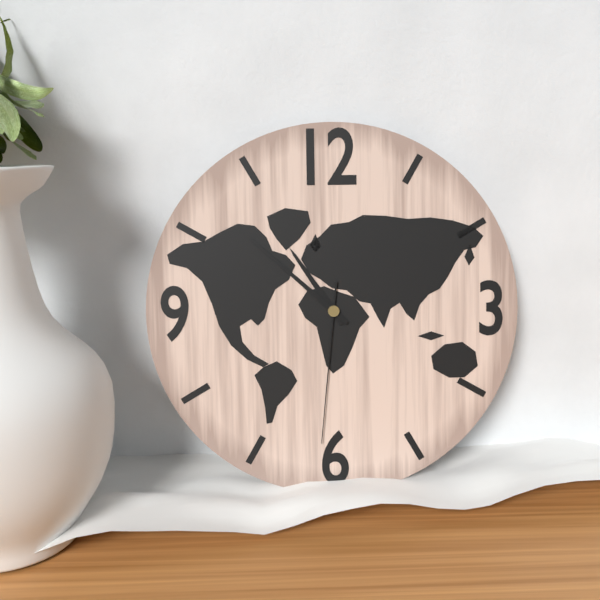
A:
10:52:31
